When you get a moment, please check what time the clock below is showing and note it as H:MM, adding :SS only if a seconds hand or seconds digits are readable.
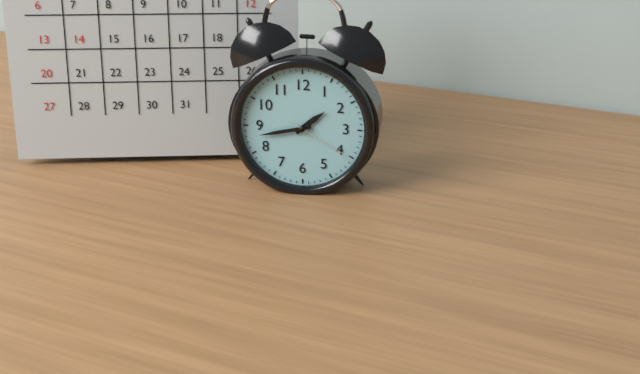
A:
1:43:20
